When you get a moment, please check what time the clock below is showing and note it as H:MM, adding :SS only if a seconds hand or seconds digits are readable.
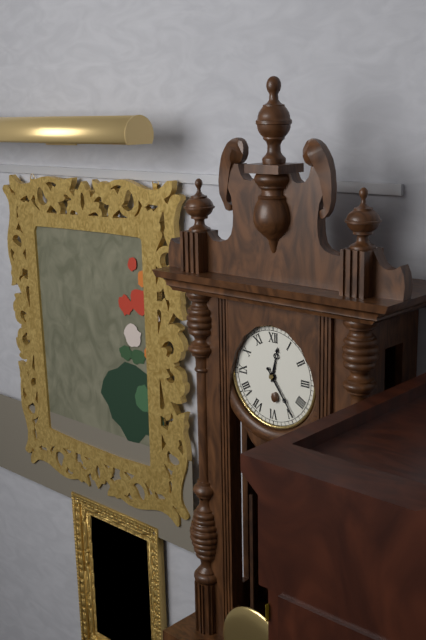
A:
12:24
